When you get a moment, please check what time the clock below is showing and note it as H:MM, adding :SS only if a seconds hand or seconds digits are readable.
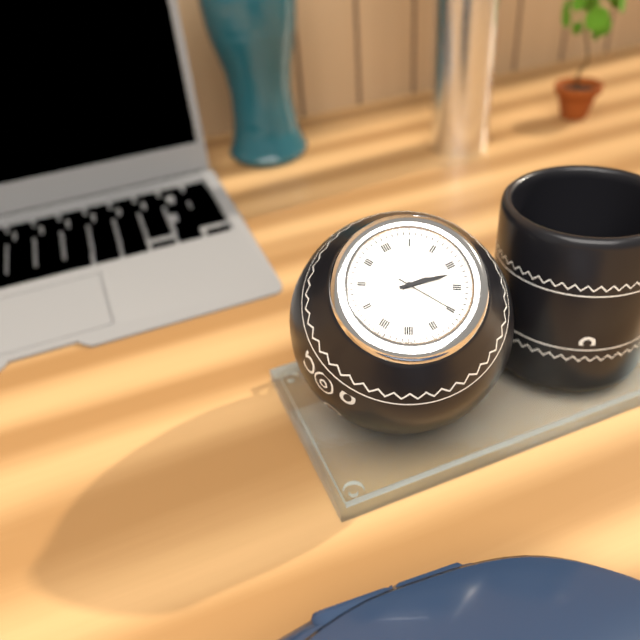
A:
3:17:25
